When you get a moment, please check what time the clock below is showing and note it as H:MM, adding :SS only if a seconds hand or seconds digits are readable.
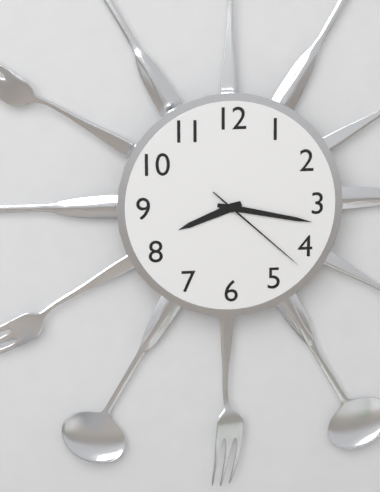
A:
8:17:22
